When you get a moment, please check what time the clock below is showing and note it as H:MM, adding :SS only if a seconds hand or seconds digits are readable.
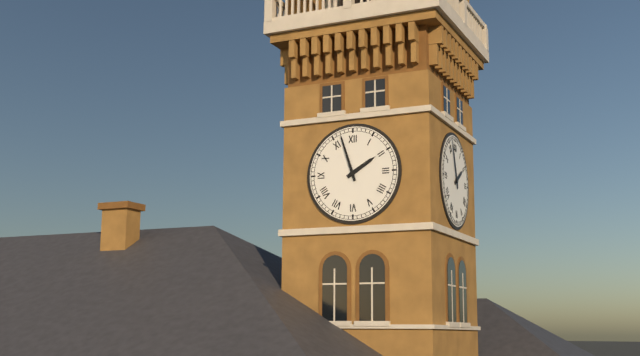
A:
1:57
